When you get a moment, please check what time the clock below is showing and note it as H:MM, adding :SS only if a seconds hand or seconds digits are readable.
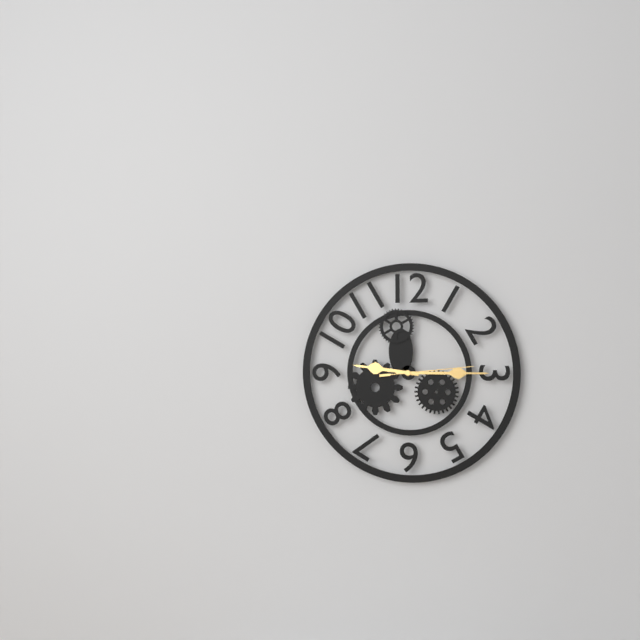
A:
9:15:14
